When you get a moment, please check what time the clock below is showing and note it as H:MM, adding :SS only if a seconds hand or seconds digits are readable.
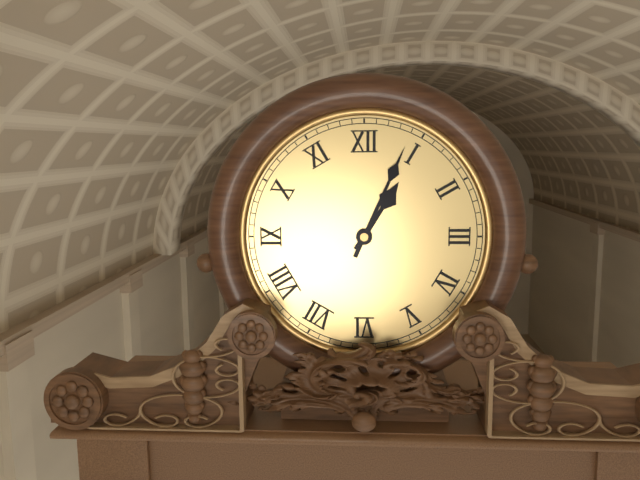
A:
1:04
